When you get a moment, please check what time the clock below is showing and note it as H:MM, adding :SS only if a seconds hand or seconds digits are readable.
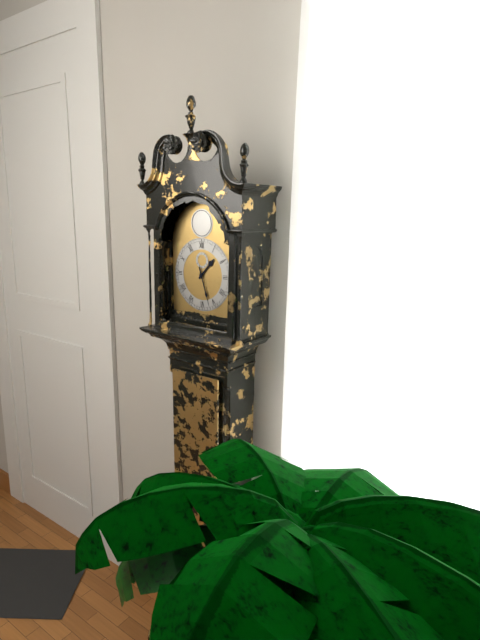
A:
1:27
